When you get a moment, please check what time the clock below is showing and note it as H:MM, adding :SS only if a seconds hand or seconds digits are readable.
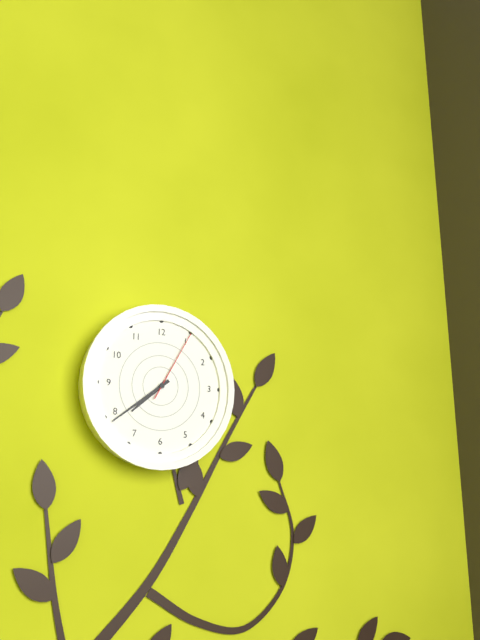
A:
7:39:05
